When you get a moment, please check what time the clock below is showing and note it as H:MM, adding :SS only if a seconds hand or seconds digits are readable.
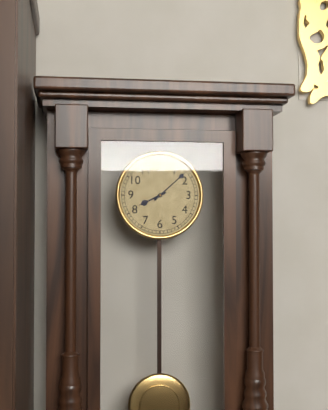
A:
8:08
